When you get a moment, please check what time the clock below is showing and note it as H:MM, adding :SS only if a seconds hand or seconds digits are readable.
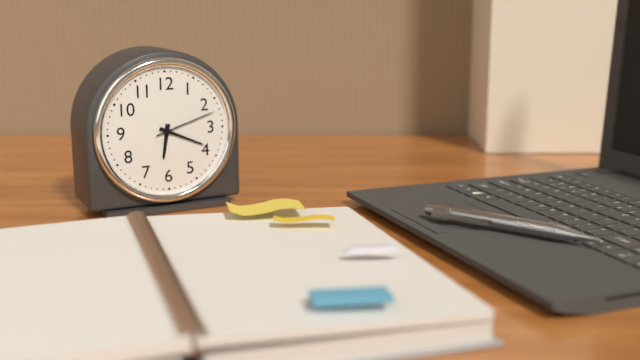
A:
6:19:12
